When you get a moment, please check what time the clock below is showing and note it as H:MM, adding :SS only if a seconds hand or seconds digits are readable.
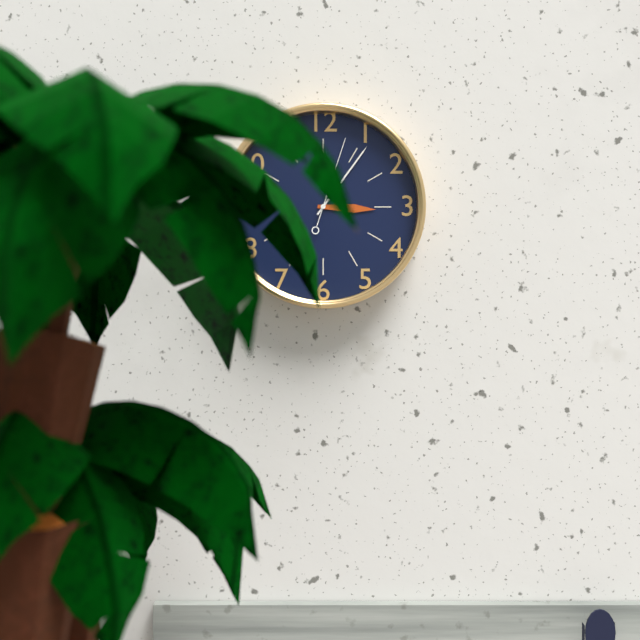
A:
3:06:03
